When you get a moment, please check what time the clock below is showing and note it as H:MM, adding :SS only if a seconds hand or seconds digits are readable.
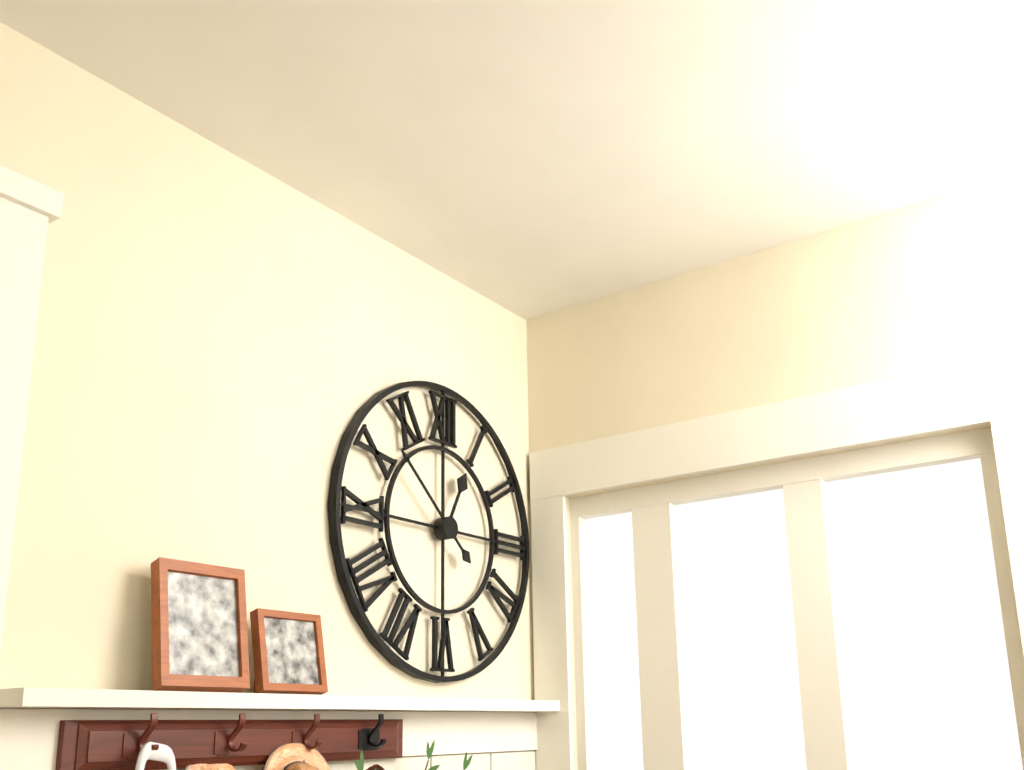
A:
12:52
